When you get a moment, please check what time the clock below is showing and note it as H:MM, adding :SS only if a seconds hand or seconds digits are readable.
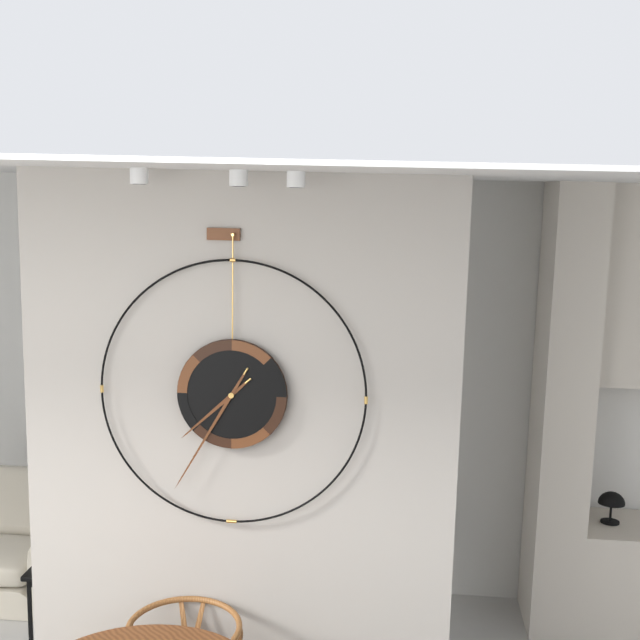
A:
7:35
